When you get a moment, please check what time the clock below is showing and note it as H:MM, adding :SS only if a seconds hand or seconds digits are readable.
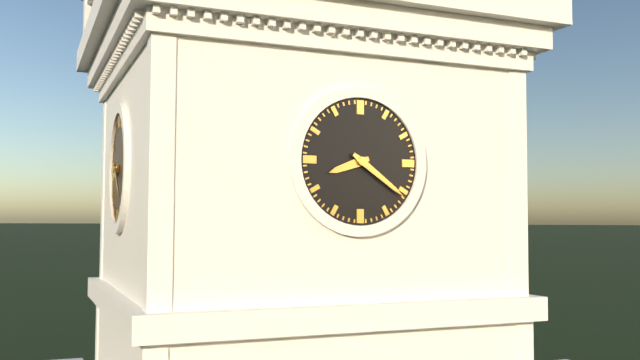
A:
8:21
